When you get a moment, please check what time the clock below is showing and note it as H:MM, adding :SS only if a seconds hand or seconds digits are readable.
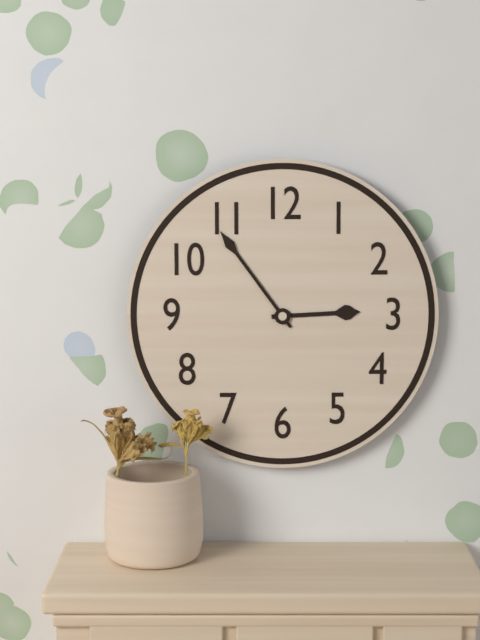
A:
2:54
